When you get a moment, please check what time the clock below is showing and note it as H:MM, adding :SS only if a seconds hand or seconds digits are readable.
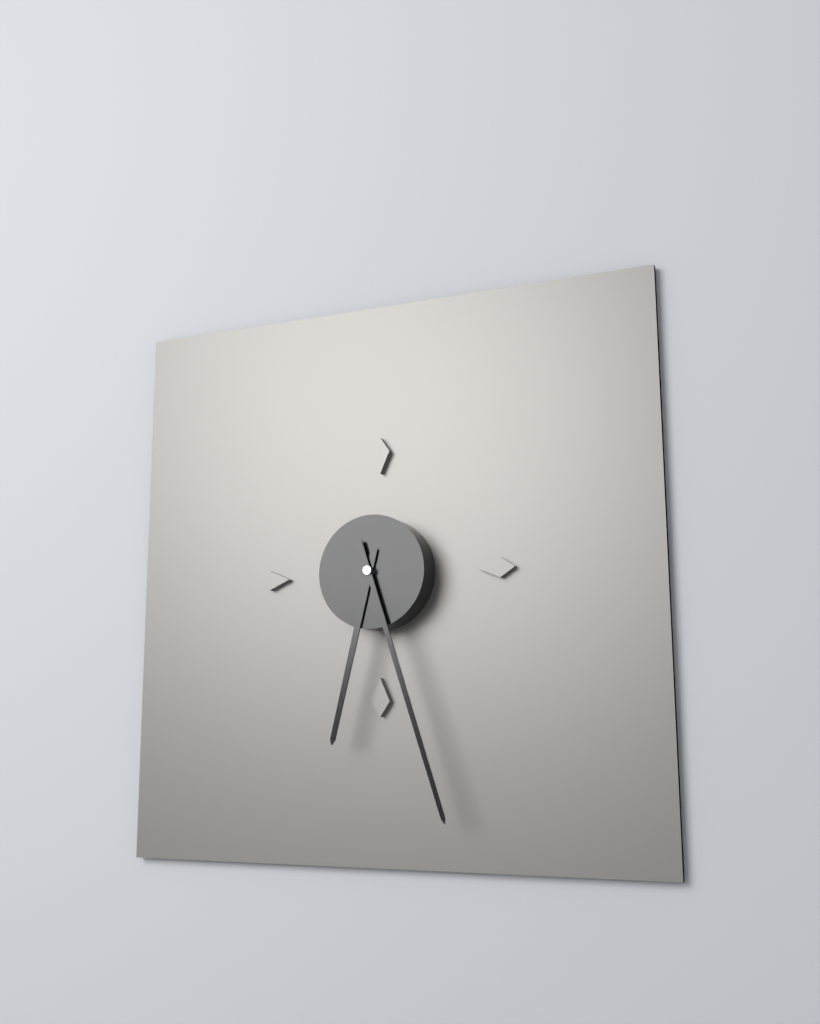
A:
6:27
